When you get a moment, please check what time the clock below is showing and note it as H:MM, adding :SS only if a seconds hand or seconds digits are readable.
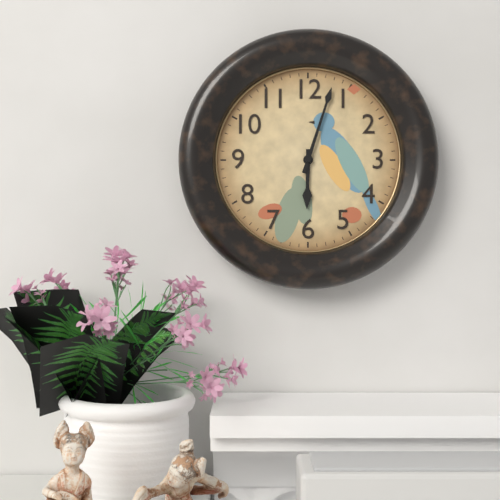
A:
6:03
